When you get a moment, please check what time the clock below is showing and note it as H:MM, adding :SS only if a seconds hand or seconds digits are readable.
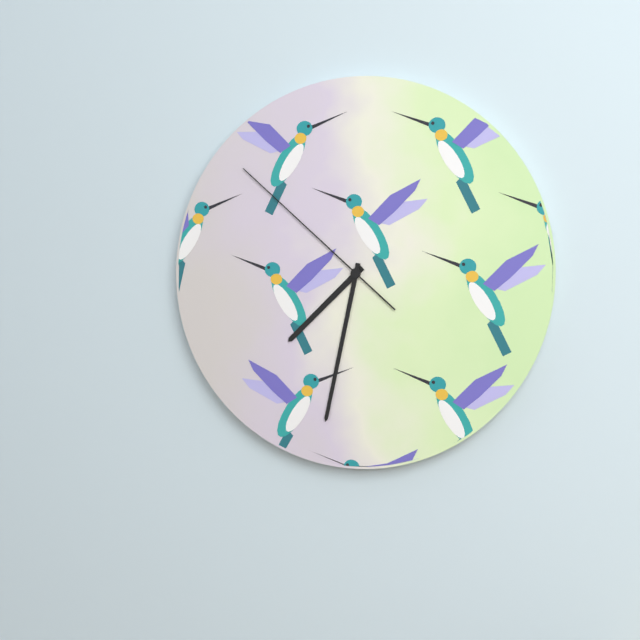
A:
7:32:52
